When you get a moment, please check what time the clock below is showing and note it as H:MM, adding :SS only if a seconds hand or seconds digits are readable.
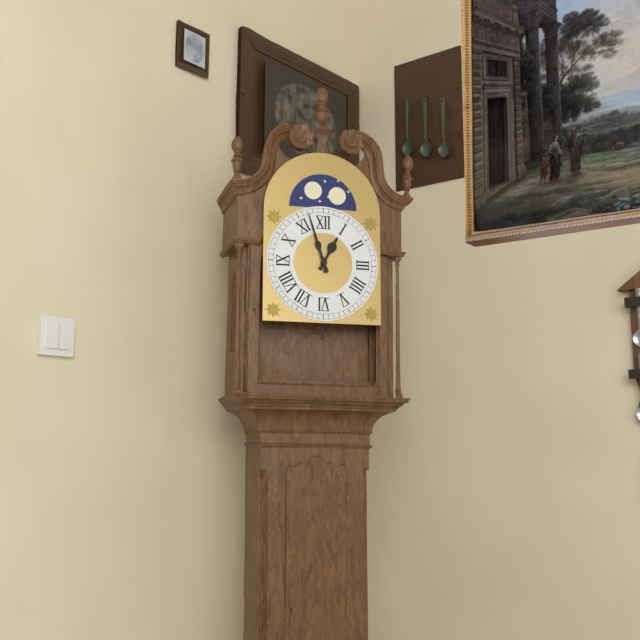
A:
12:57
